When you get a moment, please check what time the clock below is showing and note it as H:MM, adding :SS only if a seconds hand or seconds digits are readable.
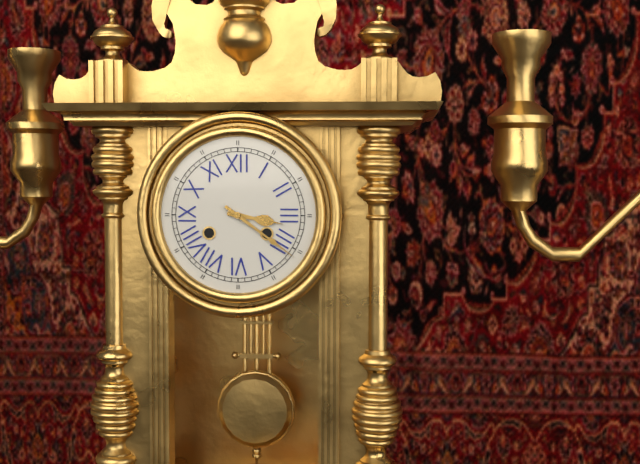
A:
3:21
